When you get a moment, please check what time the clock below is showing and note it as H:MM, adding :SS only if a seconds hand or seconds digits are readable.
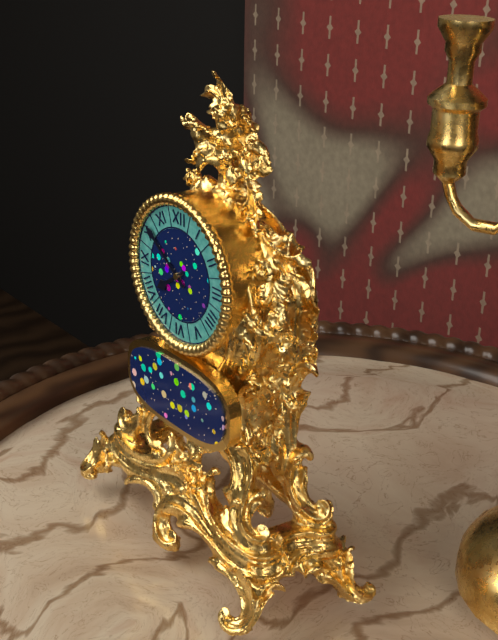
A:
7:51
